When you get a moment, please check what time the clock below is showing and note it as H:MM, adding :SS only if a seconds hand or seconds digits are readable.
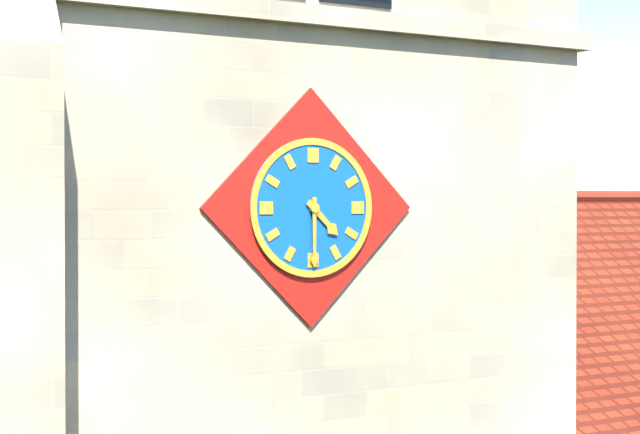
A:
4:30
